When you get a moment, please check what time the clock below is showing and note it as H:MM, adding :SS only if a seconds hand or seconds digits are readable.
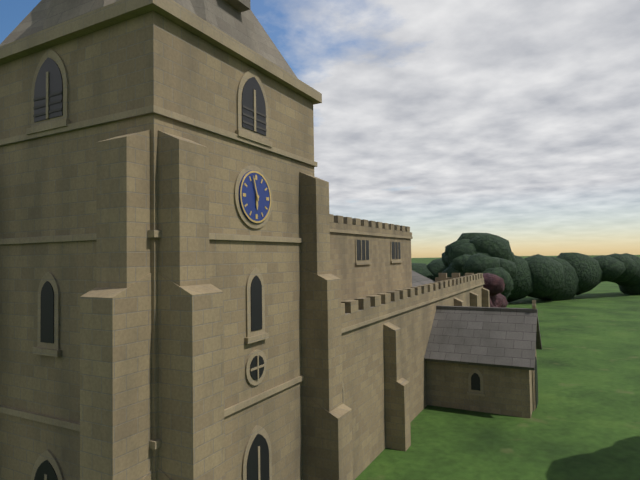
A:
5:57
